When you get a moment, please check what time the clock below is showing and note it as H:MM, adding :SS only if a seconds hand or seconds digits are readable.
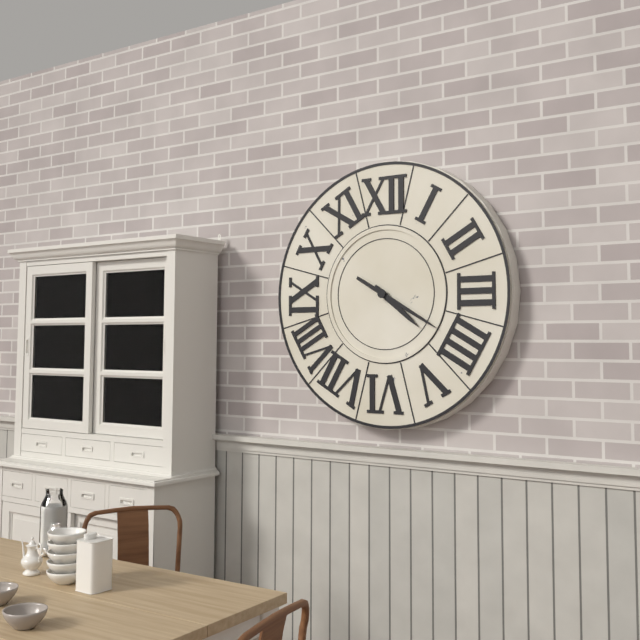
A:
4:20
